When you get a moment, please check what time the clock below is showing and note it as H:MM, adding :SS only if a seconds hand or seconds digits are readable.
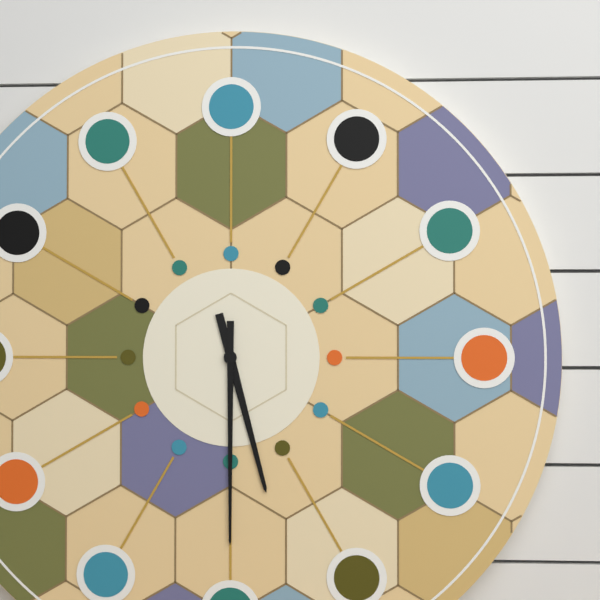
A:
5:30
